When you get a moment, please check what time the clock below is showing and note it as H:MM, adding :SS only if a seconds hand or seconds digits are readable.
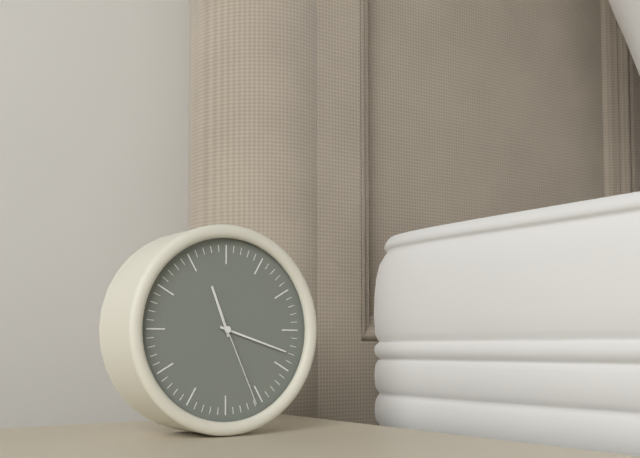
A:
11:18:26
